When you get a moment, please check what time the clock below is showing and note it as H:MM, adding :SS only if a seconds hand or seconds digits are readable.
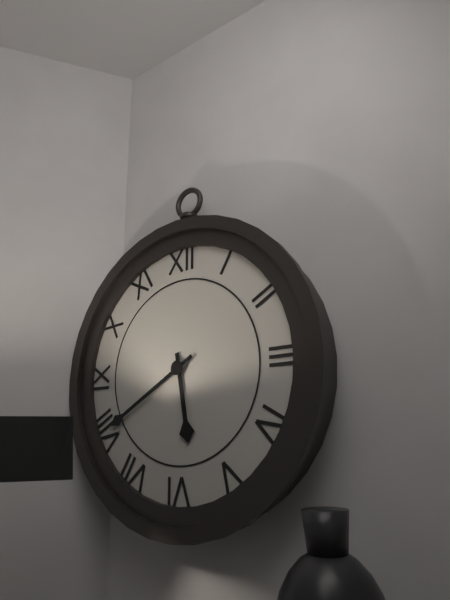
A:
5:40
